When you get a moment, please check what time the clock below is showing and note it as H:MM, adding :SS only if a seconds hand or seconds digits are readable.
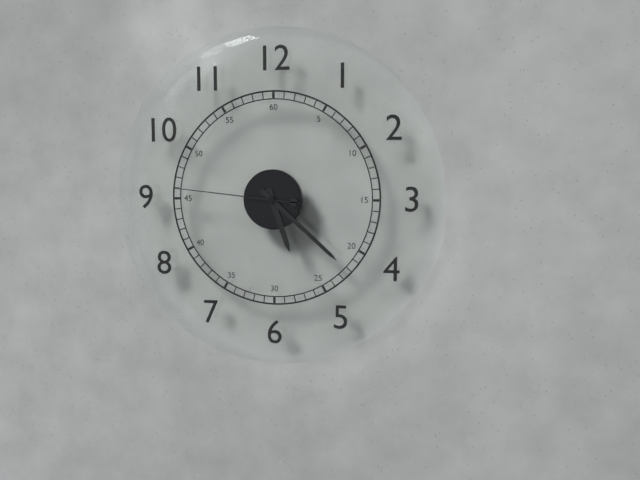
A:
5:22:46
